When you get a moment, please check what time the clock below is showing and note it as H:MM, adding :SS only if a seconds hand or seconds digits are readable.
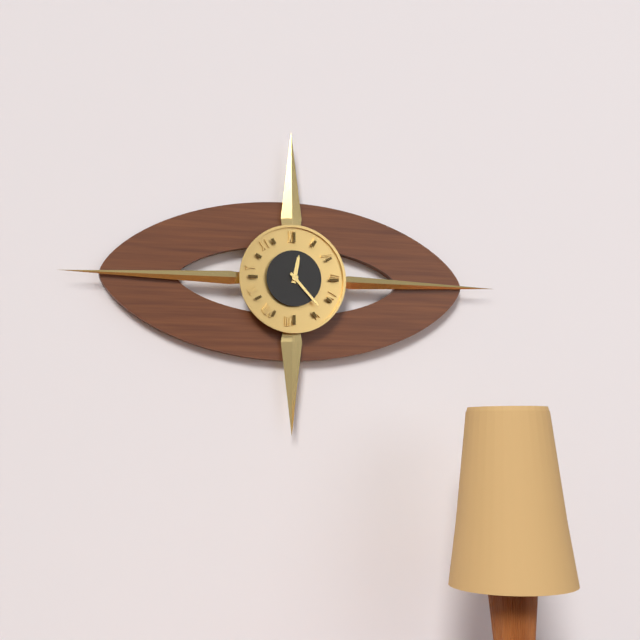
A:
12:23
